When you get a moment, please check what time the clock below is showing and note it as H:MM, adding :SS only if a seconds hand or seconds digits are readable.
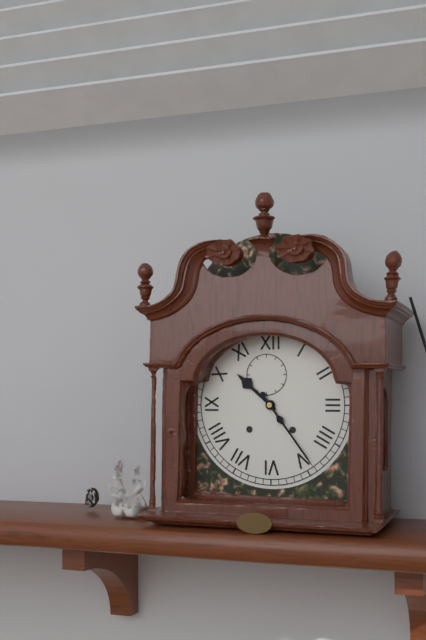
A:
10:24
